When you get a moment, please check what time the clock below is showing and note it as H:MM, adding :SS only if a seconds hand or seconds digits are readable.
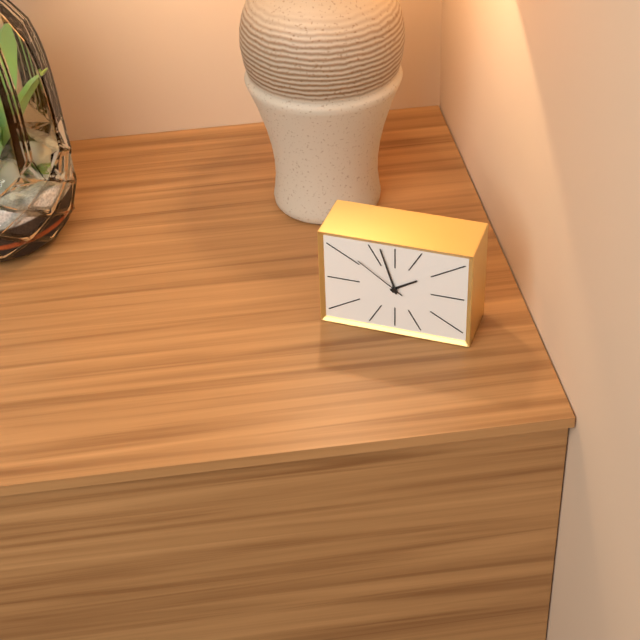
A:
1:57:51
